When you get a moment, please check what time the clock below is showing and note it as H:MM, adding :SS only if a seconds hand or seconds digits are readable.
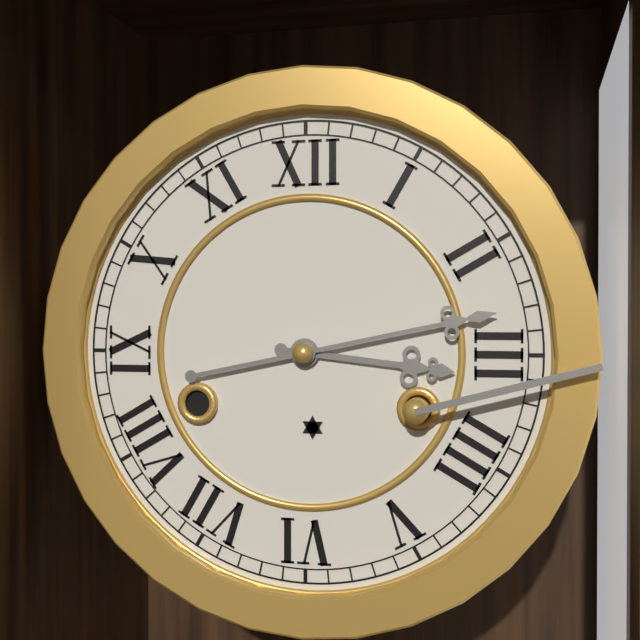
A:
3:13
